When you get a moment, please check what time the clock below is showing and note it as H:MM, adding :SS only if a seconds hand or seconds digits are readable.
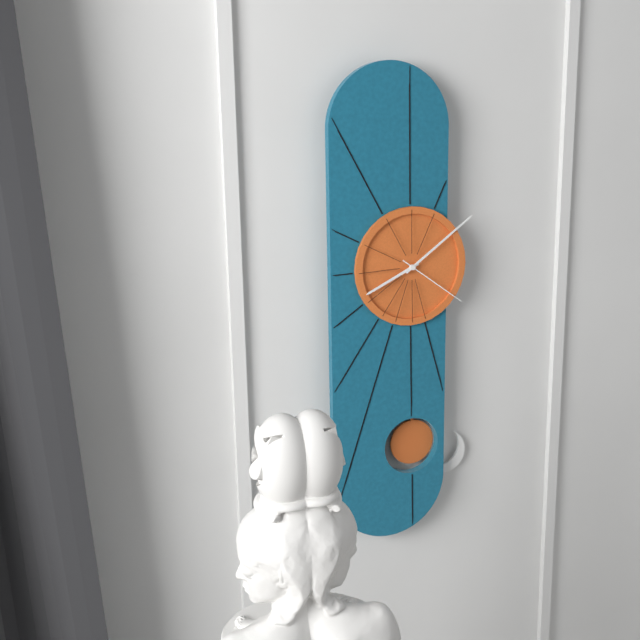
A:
8:09:21
